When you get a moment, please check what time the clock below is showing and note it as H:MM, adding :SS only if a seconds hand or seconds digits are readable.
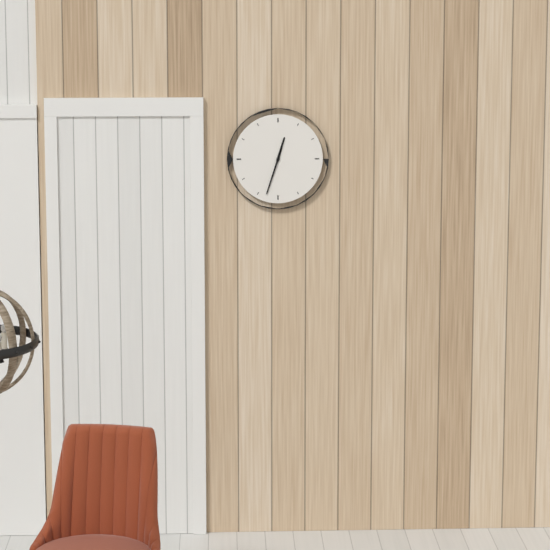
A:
12:33
